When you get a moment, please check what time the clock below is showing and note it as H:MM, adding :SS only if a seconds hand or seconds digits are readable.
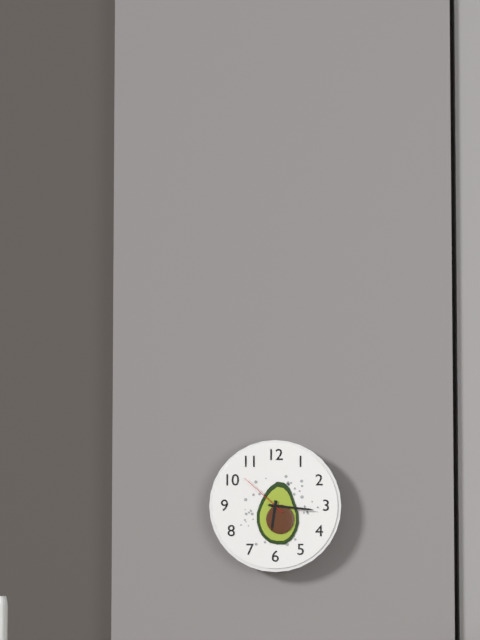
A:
6:16:52
